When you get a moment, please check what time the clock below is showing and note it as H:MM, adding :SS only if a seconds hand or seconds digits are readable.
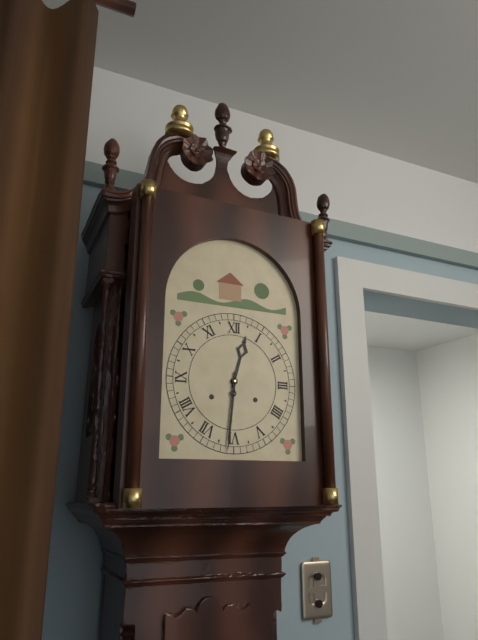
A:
12:31
